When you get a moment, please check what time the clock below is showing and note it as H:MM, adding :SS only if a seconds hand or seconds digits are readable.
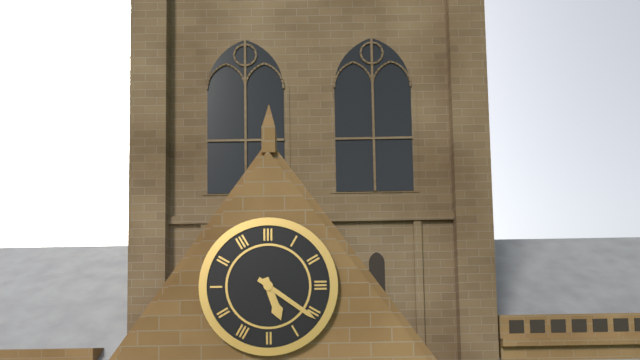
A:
5:21
